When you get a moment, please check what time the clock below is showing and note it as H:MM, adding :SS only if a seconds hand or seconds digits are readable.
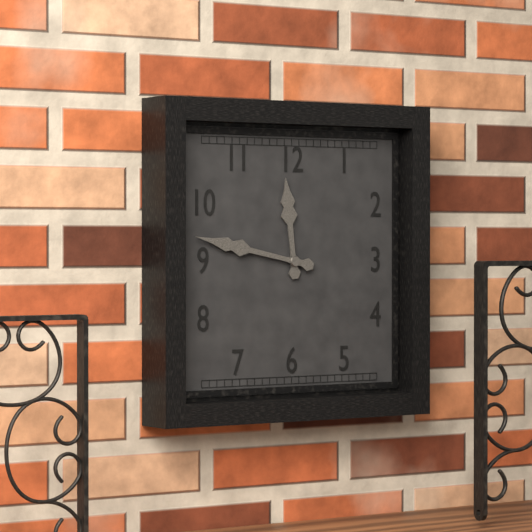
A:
11:47
